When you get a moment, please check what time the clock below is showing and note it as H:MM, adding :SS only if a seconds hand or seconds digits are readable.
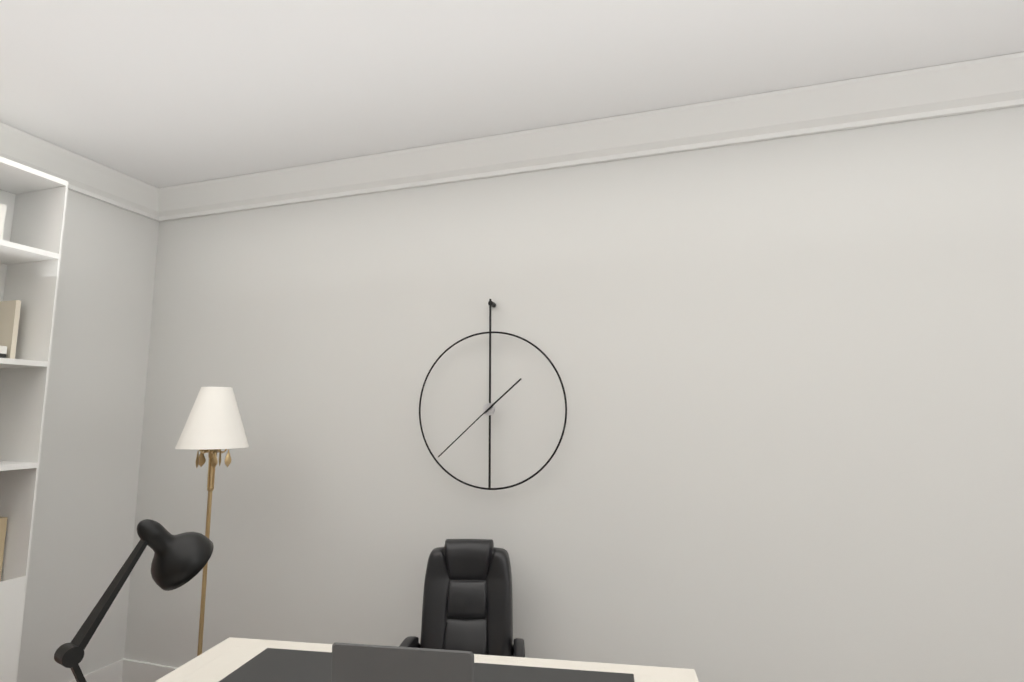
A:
1:38
